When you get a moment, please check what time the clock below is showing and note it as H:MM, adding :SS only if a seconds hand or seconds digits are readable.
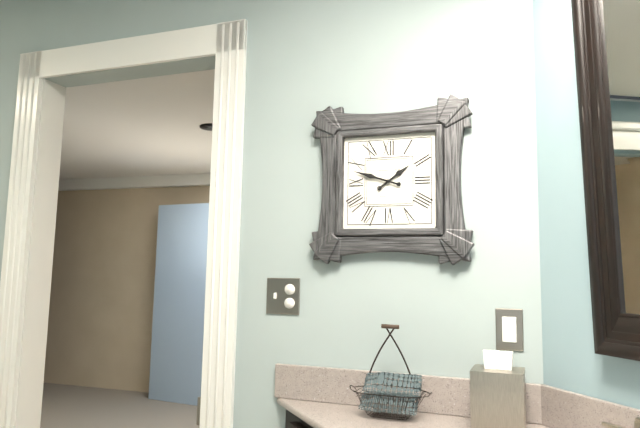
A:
1:48
